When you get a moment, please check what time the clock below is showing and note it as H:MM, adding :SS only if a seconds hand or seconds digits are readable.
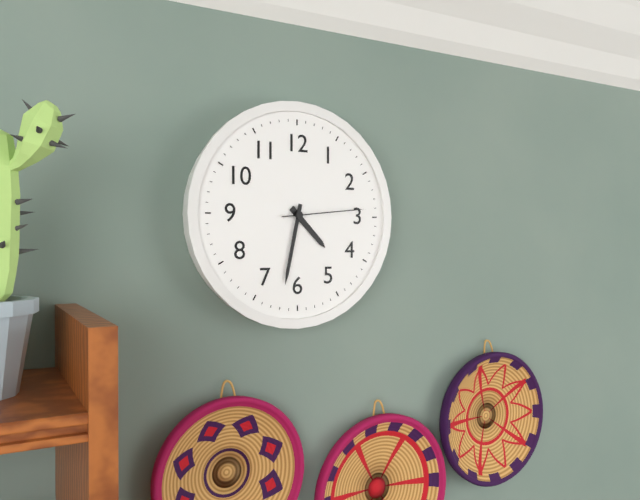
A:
4:32:14
